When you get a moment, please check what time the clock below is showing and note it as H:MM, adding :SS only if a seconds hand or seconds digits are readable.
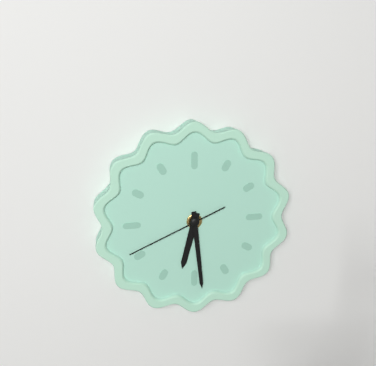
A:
6:29:41
